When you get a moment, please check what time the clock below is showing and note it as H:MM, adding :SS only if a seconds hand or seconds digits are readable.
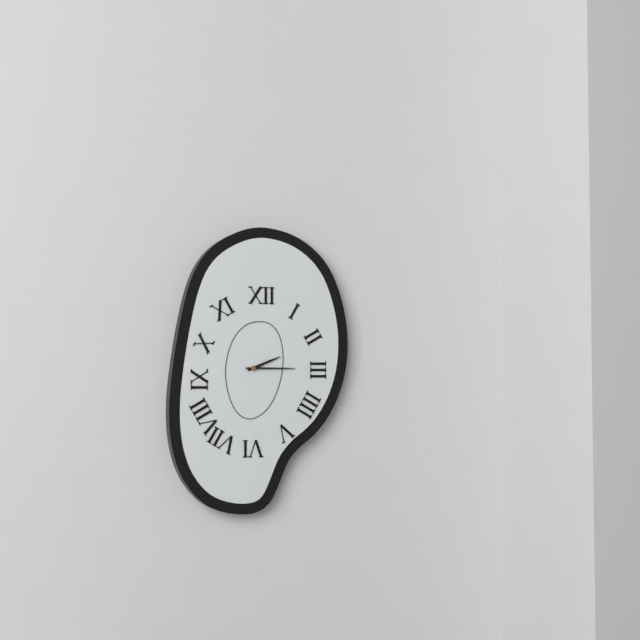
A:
2:15
